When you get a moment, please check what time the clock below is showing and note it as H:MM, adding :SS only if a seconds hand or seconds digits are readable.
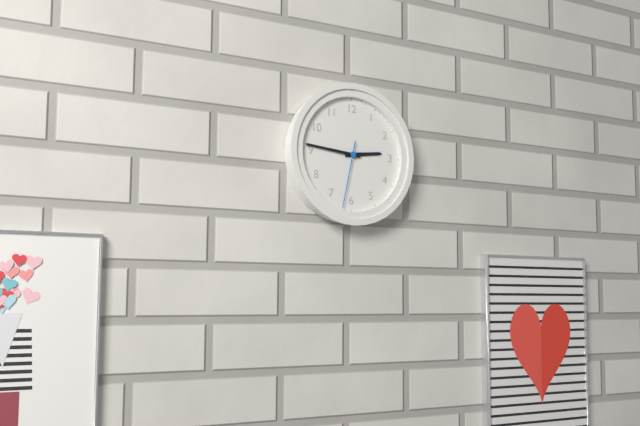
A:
2:46:32
